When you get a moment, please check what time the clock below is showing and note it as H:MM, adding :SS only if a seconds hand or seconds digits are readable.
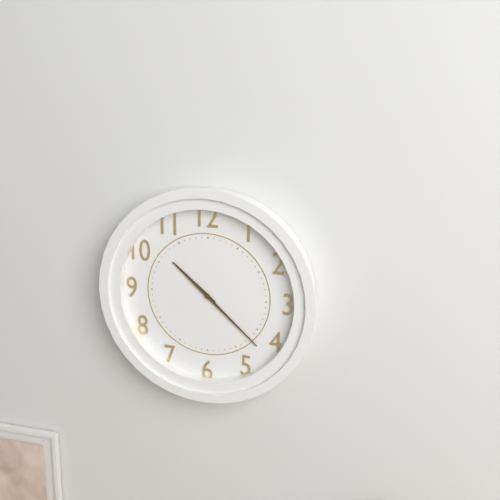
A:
10:22
